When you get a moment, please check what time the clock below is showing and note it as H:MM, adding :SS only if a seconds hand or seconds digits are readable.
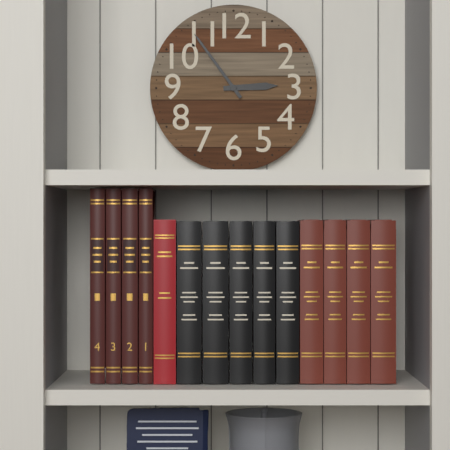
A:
2:54
